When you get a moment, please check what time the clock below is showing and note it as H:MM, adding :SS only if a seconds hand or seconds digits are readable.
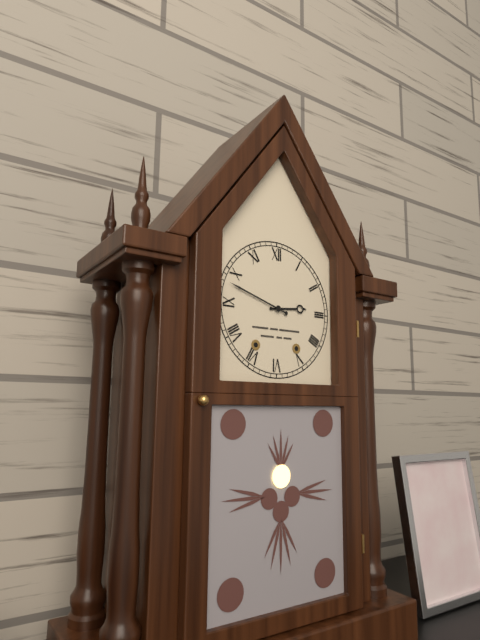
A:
2:48
